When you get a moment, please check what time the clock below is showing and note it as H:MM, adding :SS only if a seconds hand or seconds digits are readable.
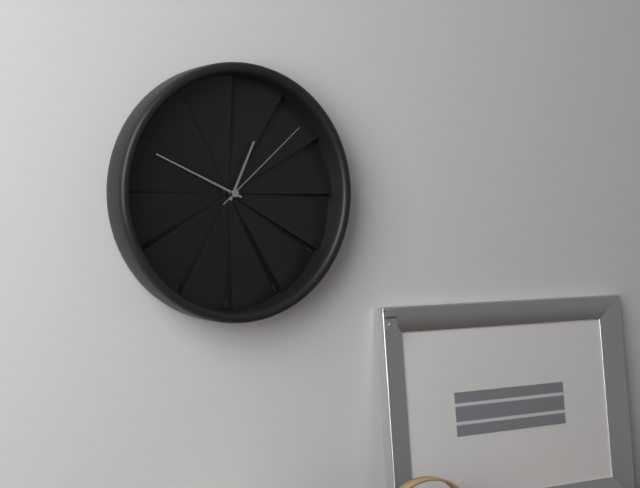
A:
12:49:08
